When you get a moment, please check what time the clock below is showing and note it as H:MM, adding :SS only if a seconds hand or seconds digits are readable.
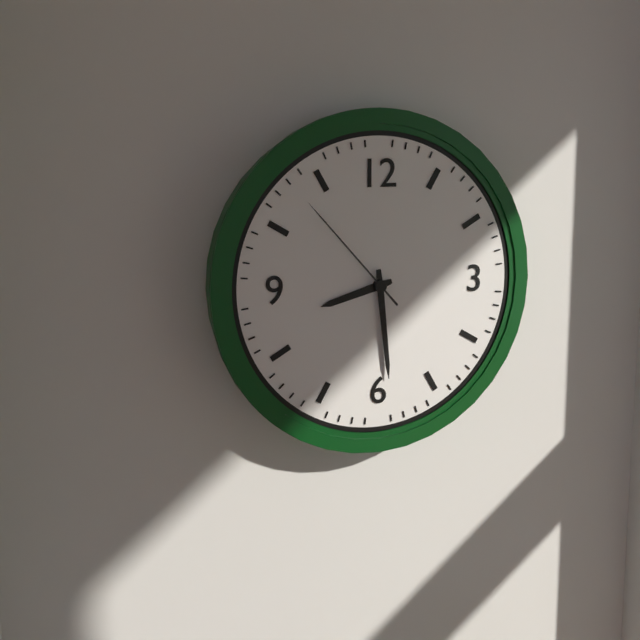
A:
8:29:53
